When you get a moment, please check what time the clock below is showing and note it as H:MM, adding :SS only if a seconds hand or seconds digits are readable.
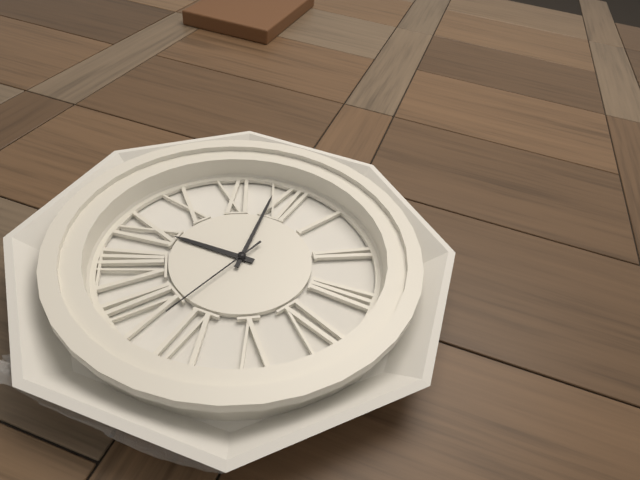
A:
8:59:33
